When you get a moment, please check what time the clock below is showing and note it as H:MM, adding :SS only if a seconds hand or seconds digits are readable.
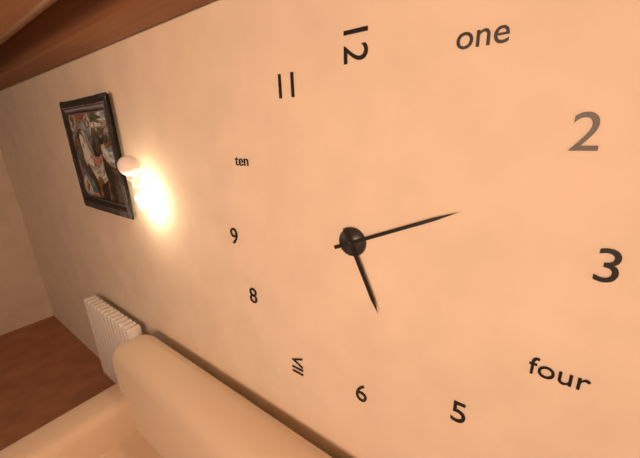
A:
5:11
